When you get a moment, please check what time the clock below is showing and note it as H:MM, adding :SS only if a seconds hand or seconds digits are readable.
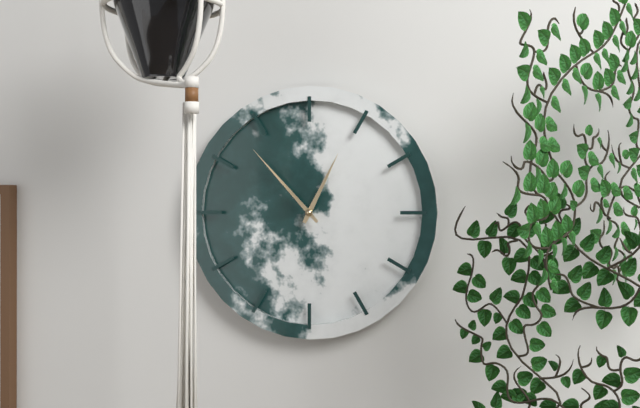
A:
12:53
